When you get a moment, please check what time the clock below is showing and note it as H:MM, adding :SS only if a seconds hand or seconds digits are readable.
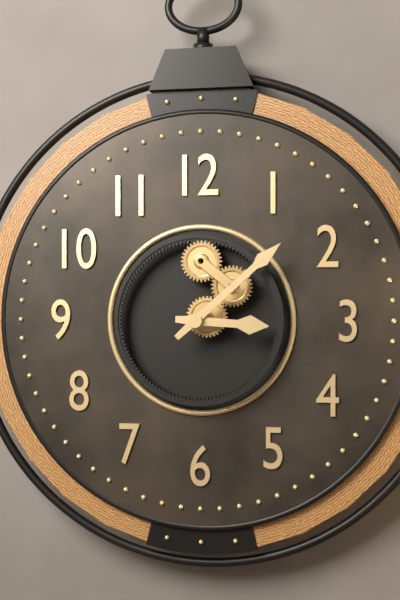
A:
3:08
